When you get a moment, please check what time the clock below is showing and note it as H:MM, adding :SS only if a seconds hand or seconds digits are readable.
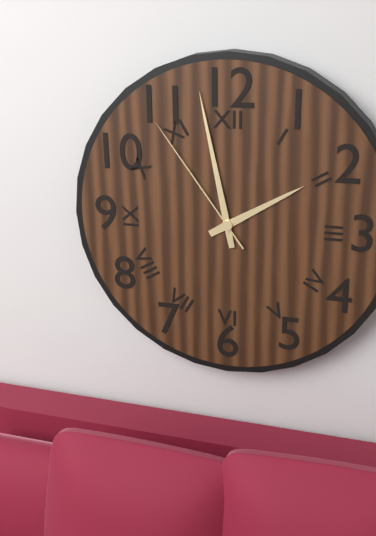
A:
1:58:54
